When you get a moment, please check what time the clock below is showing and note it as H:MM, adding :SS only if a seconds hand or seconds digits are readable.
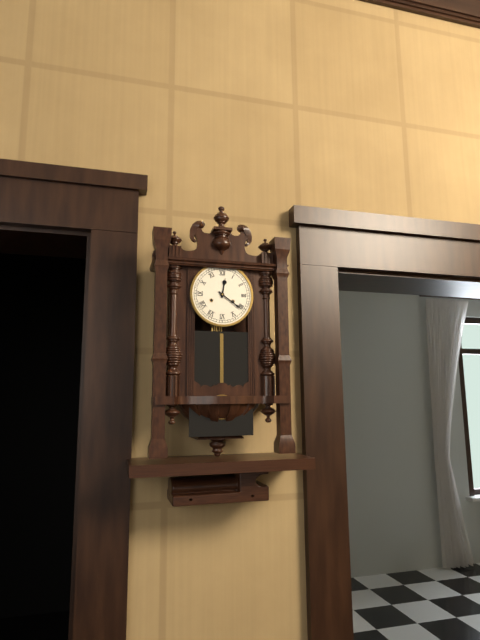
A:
12:21
